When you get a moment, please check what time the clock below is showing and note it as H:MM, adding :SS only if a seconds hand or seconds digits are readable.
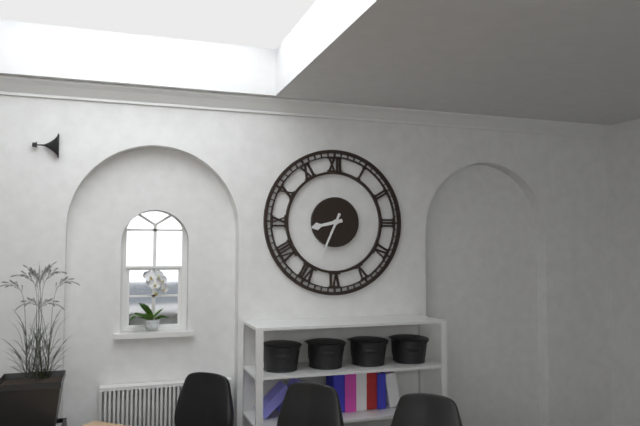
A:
8:34
